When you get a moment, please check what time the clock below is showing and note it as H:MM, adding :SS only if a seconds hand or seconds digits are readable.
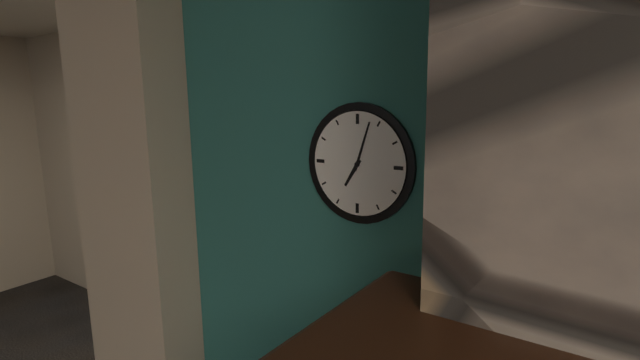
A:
7:03
